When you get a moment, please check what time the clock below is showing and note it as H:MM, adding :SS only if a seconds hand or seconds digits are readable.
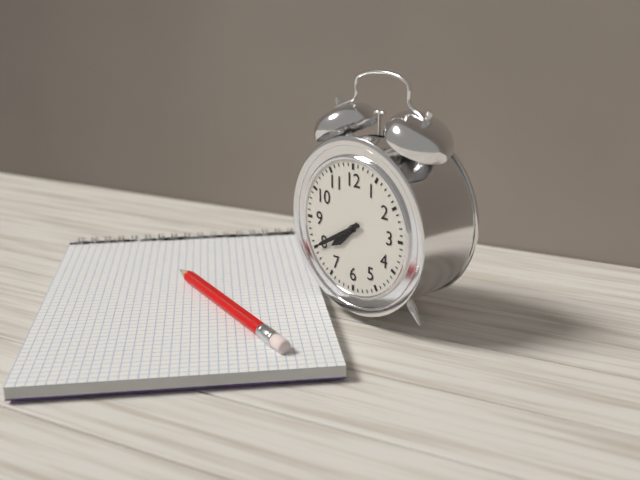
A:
7:40
